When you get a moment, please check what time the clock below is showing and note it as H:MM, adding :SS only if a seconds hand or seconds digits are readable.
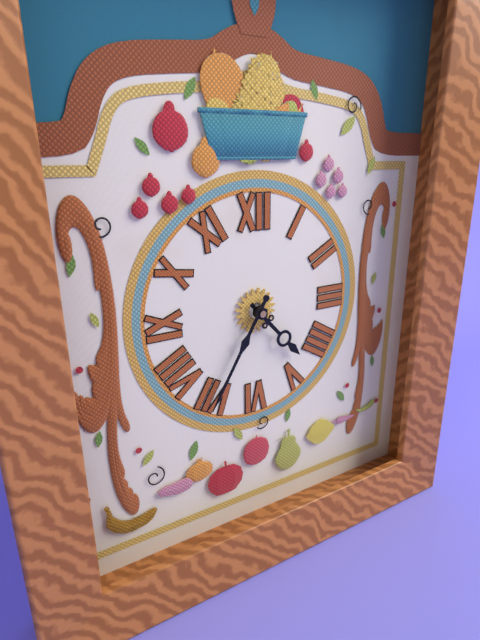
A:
4:35
